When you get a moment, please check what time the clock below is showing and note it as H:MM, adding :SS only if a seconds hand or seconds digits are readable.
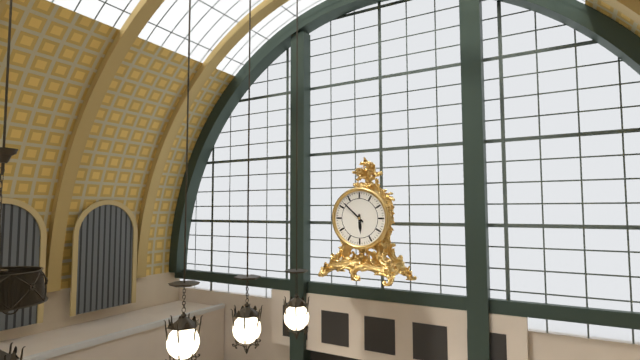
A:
5:52
